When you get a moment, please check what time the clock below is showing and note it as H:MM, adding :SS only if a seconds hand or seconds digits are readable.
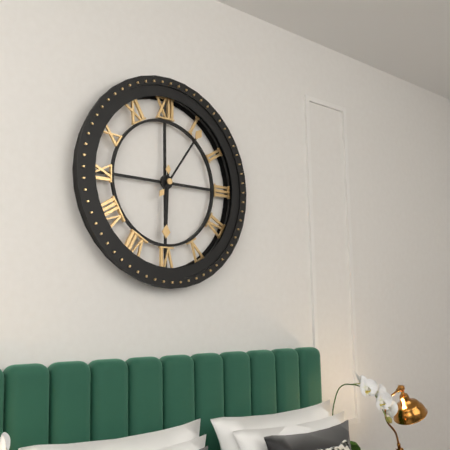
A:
6:06
